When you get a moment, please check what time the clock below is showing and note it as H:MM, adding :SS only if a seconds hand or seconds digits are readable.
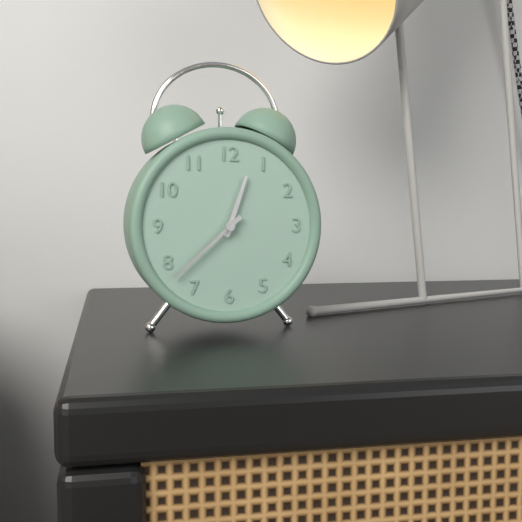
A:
12:38
